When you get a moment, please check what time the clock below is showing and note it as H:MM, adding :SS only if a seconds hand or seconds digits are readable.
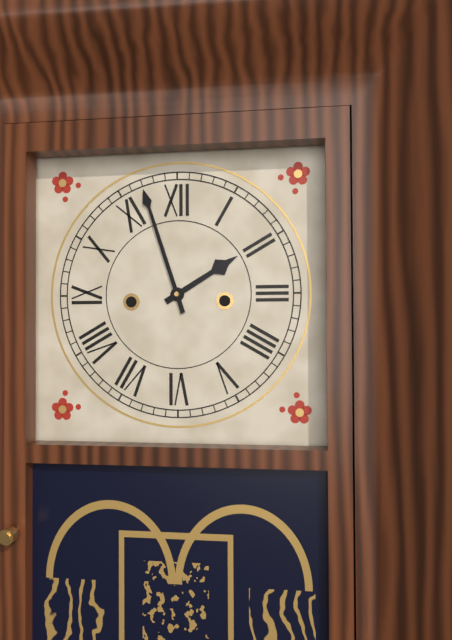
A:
1:57
